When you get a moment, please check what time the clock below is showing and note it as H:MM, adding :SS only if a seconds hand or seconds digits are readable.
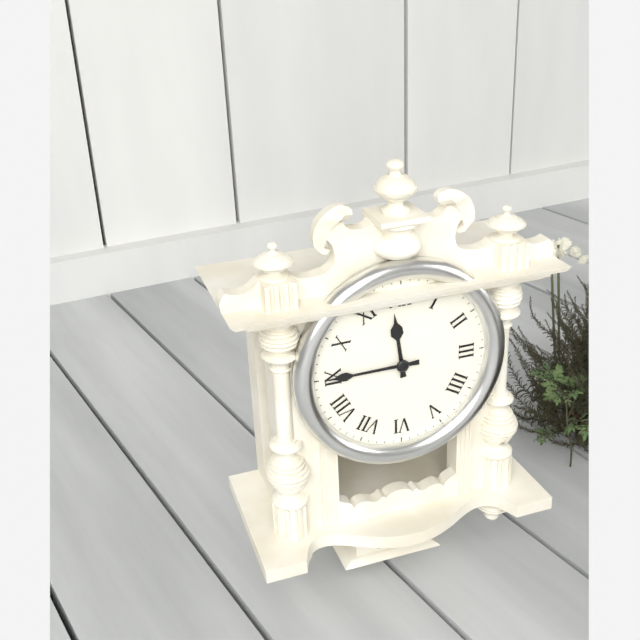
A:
11:45
